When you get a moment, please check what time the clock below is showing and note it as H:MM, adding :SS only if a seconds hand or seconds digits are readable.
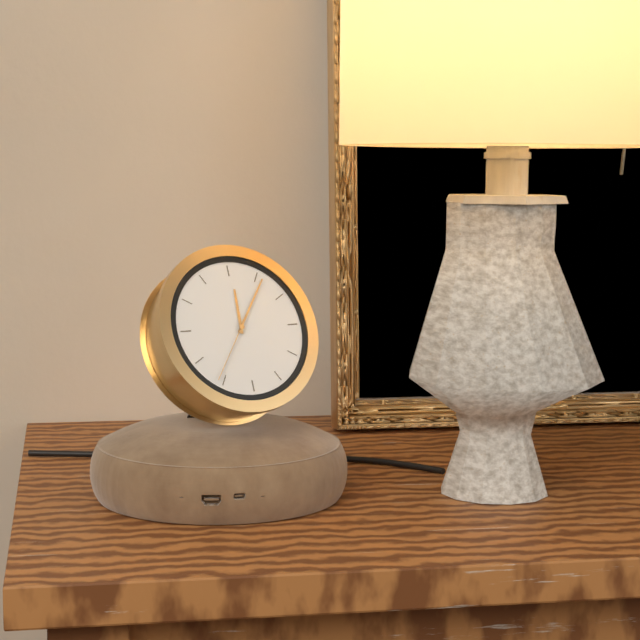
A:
12:06:36
